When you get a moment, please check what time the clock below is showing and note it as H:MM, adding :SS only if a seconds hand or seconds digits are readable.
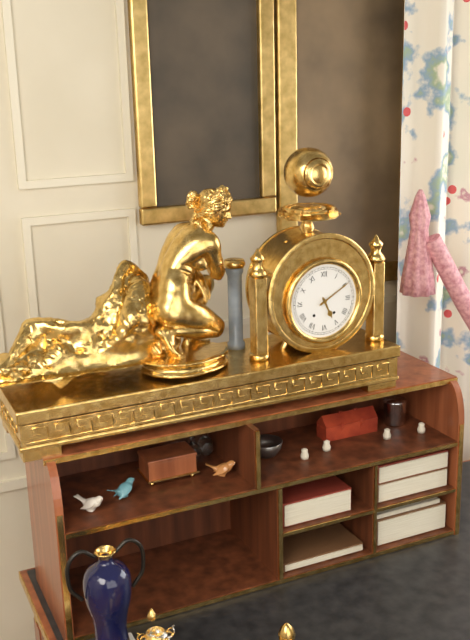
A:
5:10
